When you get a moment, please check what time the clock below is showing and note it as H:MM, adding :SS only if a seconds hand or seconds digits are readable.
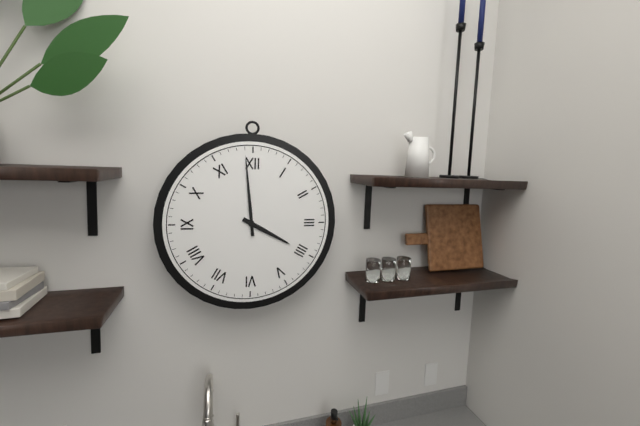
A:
3:59
